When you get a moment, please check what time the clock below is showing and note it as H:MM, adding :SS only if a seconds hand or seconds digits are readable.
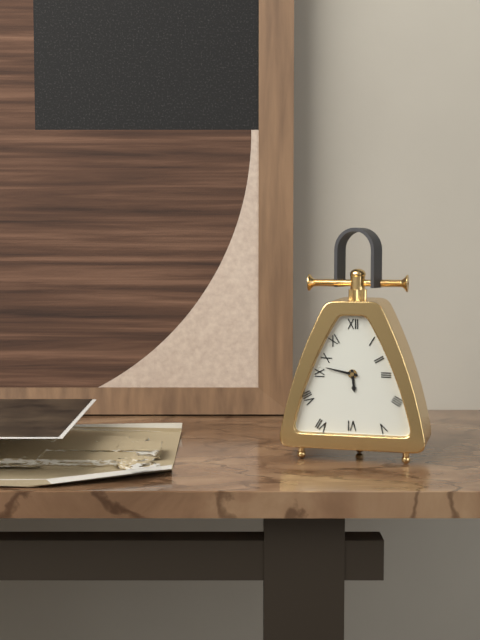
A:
5:47
